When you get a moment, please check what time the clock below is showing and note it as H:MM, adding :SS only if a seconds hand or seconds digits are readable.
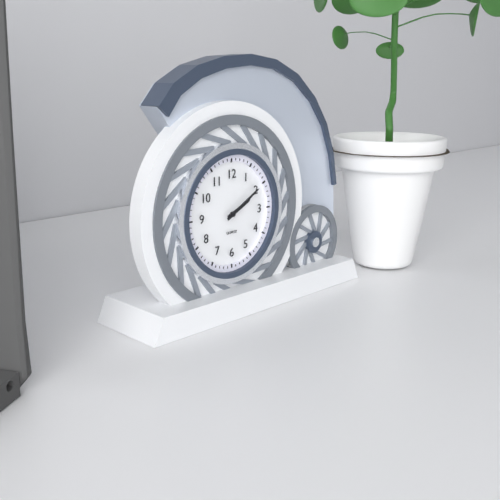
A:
2:10
